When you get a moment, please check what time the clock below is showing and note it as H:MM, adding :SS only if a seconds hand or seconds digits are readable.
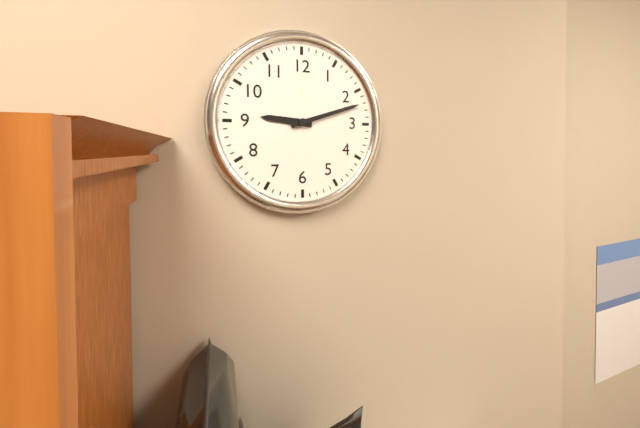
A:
9:12
